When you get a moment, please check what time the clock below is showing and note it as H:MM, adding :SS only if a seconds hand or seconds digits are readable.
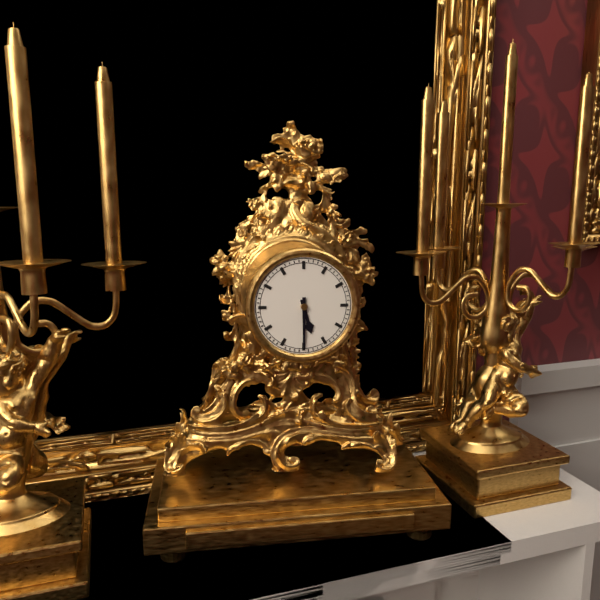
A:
5:30
